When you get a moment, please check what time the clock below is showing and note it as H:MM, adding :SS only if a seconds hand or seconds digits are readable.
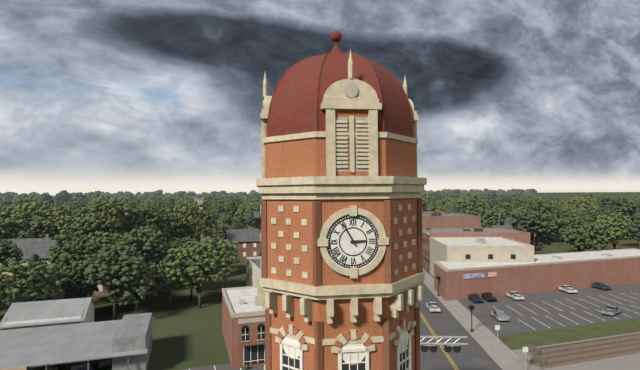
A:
2:55
